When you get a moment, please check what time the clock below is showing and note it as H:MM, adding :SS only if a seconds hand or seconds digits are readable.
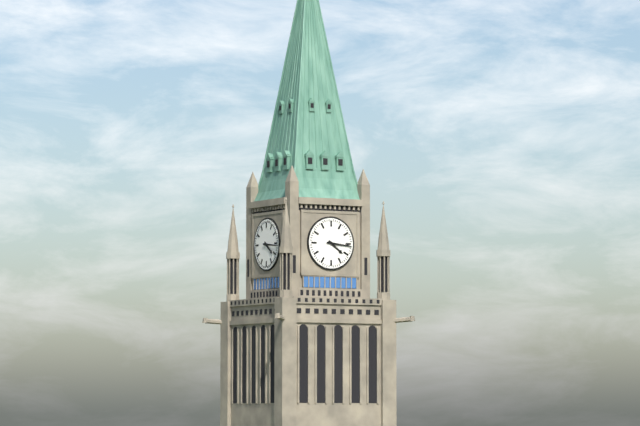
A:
4:16
